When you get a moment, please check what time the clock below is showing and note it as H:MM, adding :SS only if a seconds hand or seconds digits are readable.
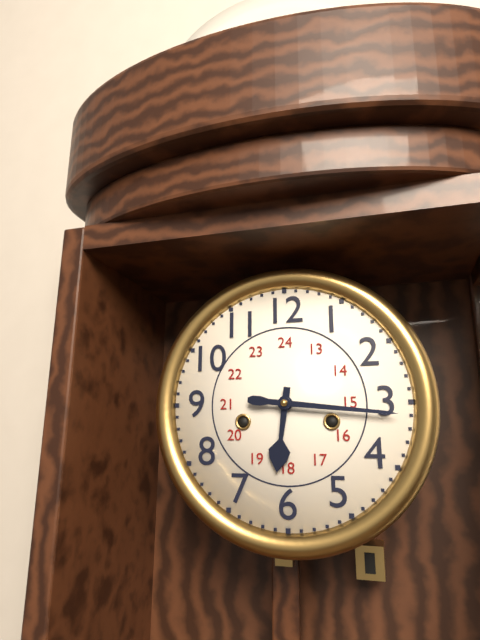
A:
6:16
